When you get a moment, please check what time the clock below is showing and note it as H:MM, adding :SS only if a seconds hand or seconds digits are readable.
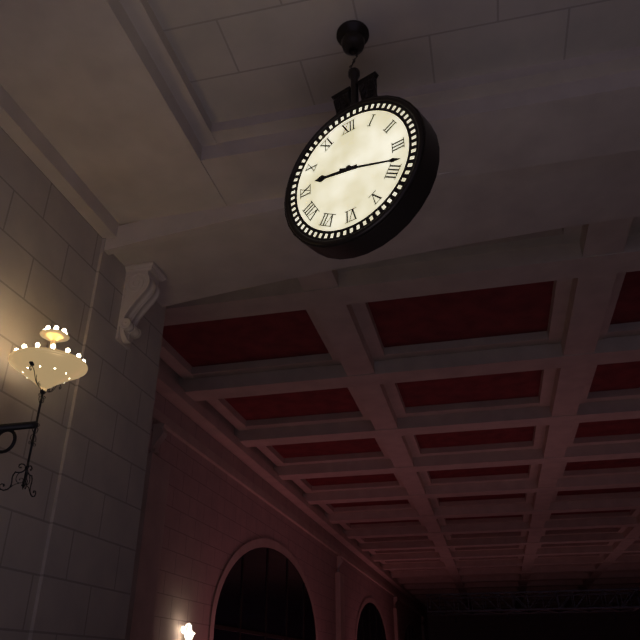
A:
9:18
